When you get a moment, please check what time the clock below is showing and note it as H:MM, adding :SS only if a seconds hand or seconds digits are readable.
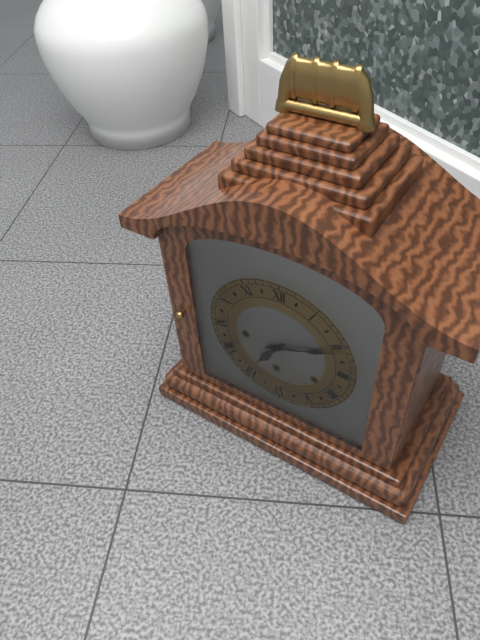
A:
7:11
